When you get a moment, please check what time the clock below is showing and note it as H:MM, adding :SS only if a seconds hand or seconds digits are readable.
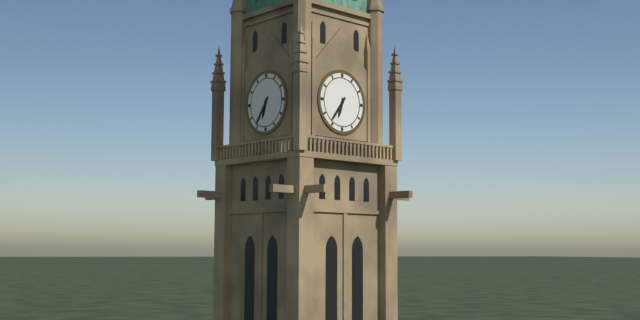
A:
6:36
